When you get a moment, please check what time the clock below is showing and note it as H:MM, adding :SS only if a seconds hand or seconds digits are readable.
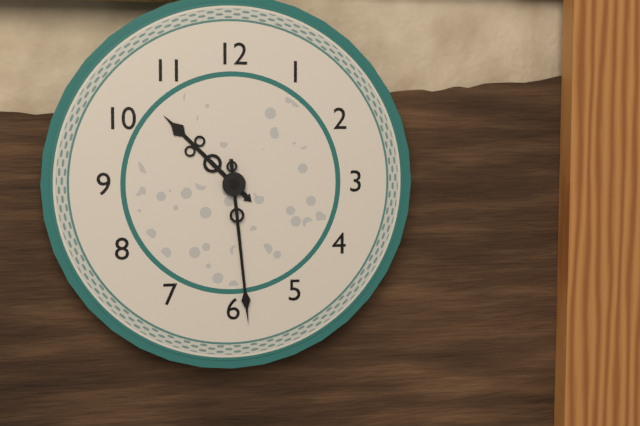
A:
10:29
